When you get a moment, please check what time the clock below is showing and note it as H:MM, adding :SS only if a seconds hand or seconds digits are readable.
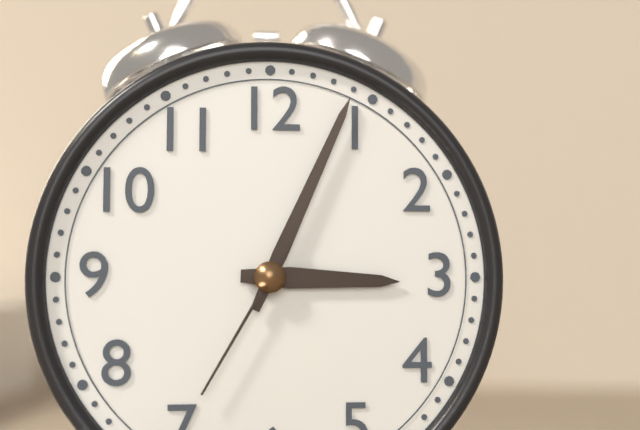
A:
3:04:35
